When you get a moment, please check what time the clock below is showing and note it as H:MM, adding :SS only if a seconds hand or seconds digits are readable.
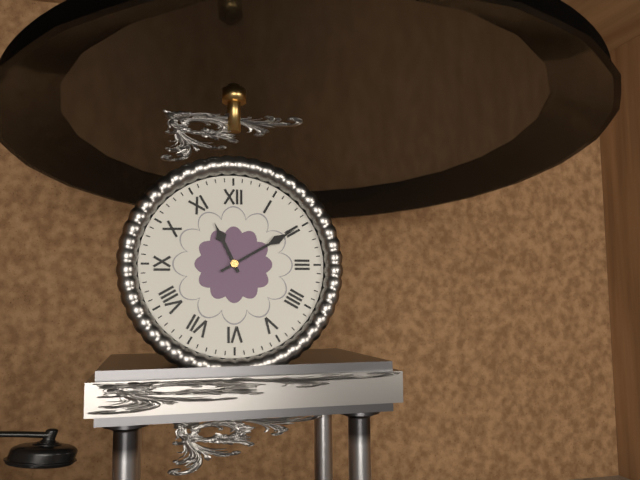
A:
11:10
